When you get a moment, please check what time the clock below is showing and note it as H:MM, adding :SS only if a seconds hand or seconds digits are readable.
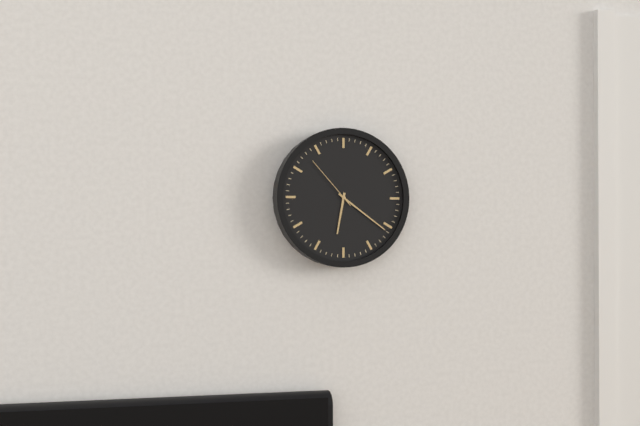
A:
6:21:53
